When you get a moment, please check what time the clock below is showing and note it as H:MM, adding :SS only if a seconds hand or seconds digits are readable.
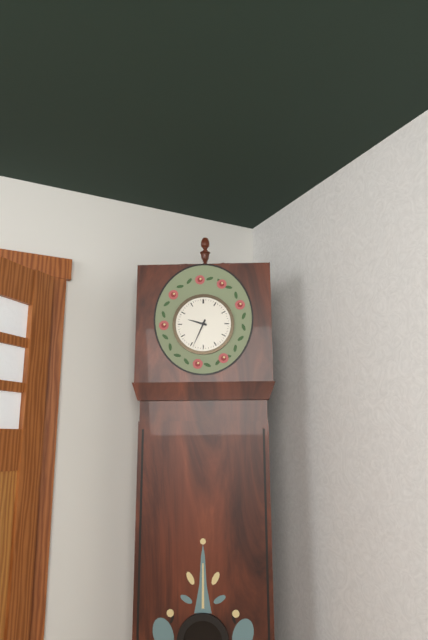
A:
9:34
